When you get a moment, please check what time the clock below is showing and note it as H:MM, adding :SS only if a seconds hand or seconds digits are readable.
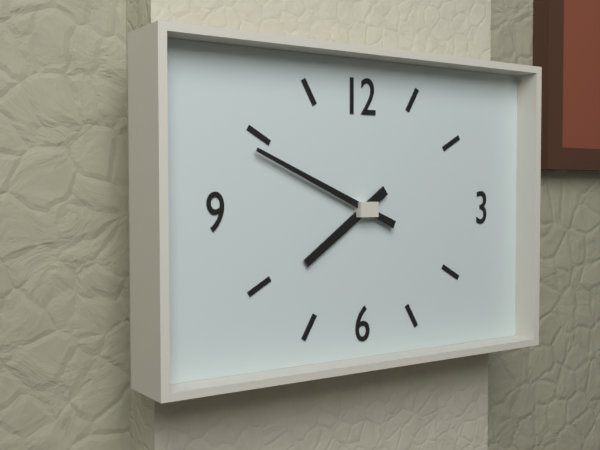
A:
7:49
